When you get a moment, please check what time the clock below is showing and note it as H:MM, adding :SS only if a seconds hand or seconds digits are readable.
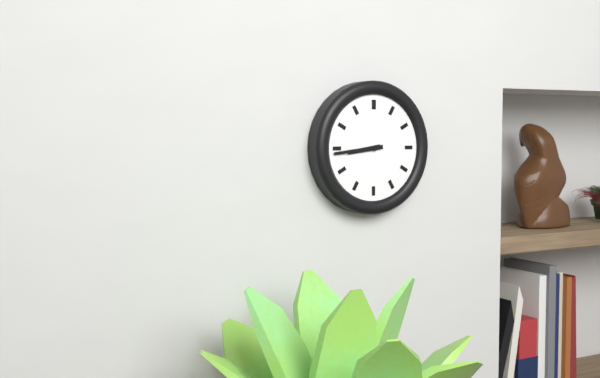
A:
8:44
